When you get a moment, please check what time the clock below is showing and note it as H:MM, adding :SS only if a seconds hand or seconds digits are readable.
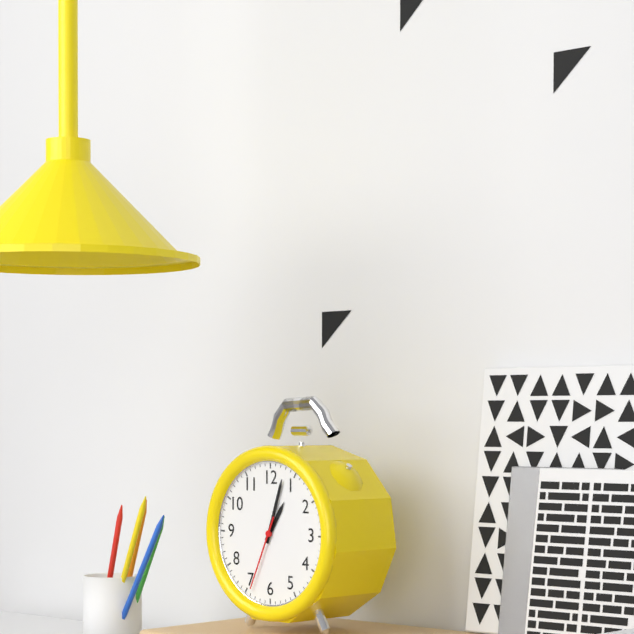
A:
1:03:34
